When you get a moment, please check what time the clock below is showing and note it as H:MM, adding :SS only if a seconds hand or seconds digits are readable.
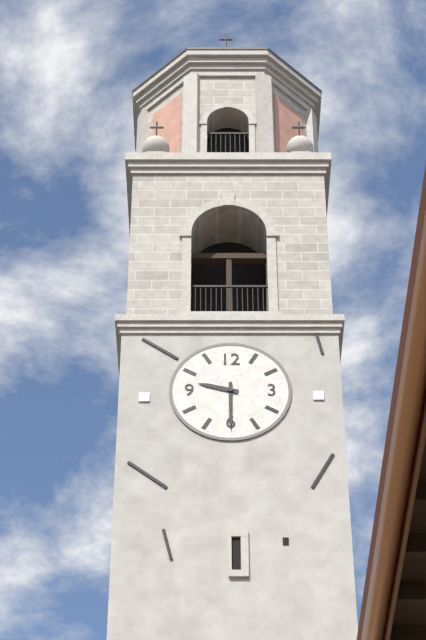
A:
9:30
